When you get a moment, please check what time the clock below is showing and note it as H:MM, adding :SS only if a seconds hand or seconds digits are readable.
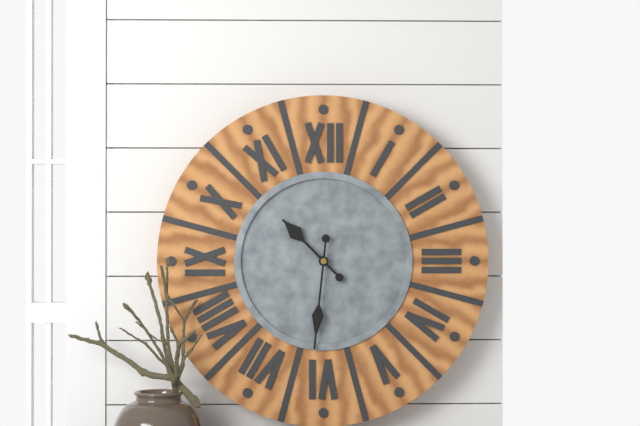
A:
10:31
